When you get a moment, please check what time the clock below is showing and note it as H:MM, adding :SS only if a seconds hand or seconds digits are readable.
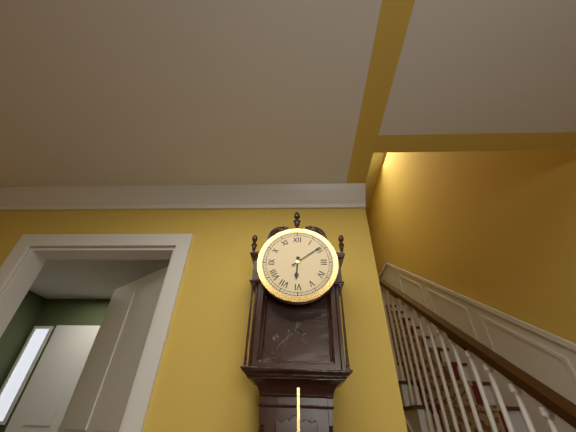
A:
6:09
